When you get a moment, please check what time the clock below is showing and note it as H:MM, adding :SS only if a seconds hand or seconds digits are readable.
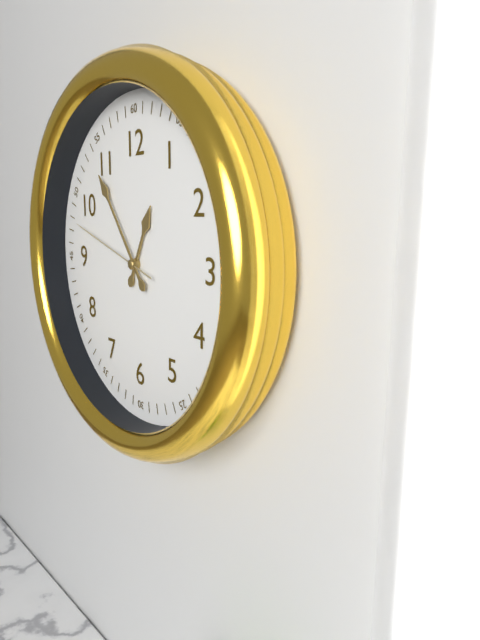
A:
12:54:48
